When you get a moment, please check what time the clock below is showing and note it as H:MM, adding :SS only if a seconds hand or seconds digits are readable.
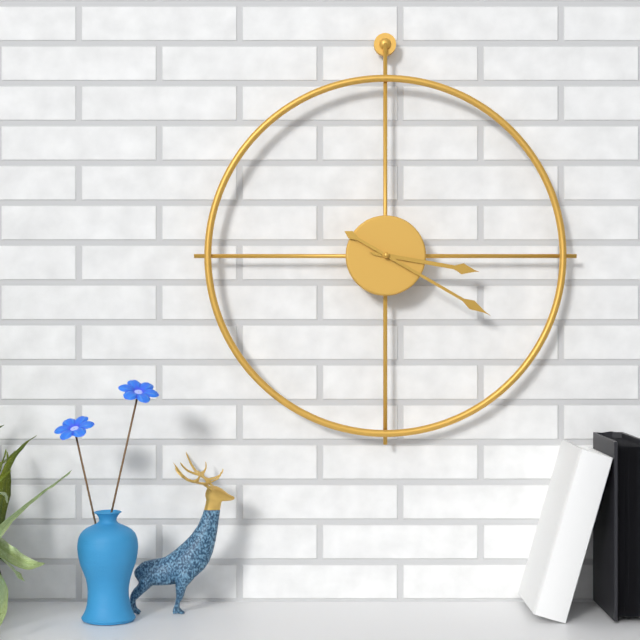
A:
3:20
